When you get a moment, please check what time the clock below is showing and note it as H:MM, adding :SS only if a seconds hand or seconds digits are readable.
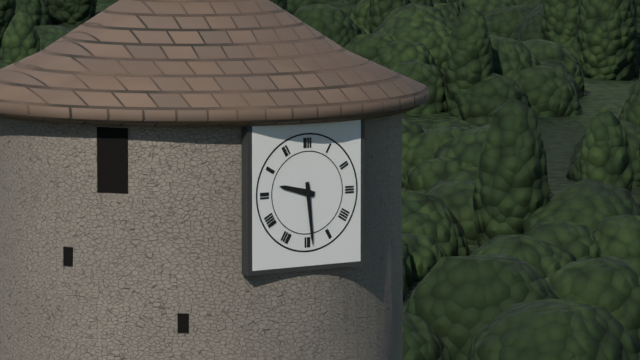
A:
9:29
